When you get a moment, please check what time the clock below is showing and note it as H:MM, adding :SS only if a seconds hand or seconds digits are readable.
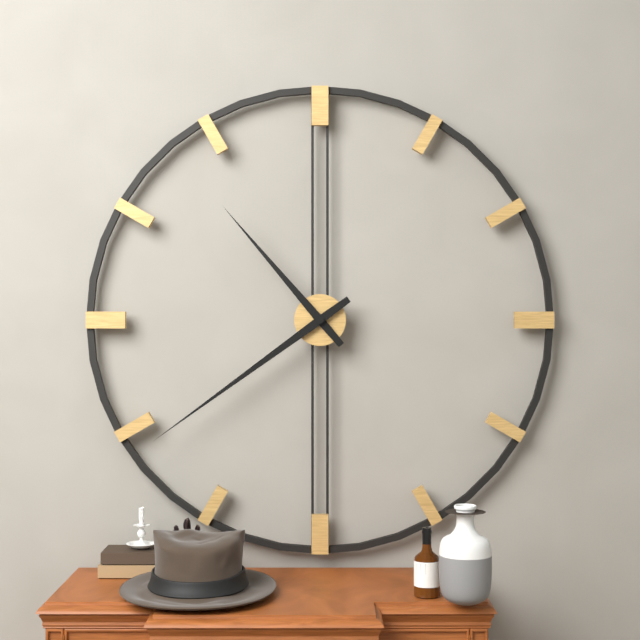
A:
10:39
